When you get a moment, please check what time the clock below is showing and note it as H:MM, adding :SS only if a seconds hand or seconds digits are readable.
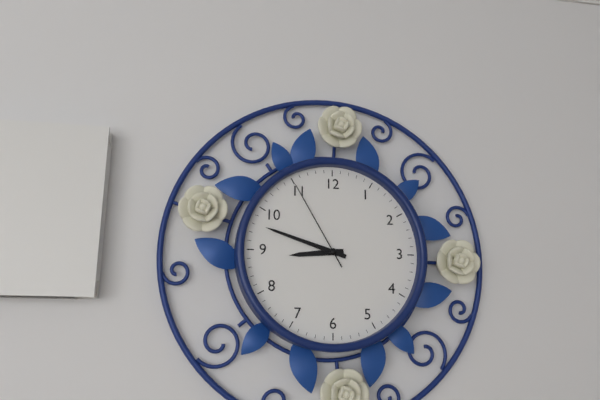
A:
8:48:55
